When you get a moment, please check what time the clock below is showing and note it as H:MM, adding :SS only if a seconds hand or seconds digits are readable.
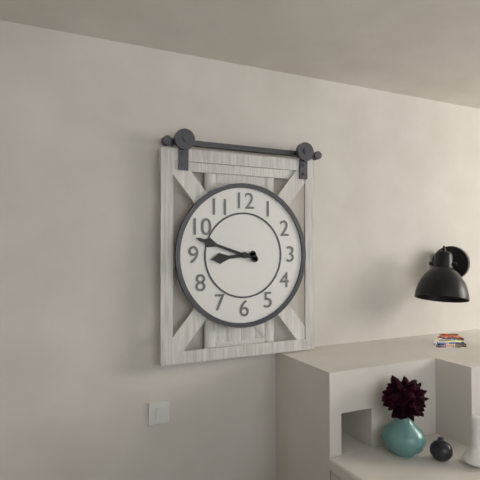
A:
8:48
